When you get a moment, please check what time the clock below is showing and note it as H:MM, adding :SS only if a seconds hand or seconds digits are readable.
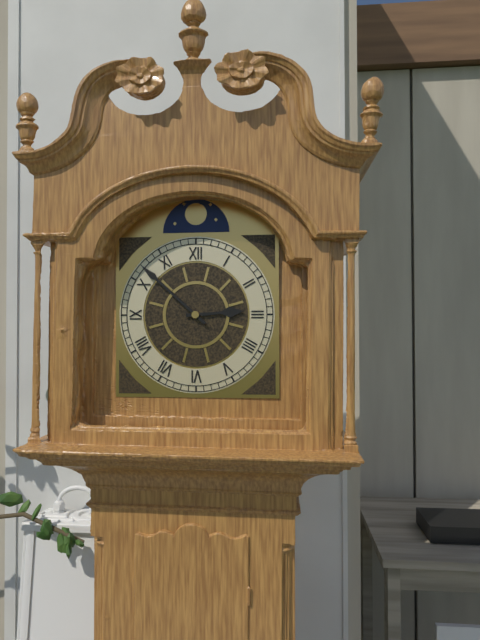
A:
2:52
